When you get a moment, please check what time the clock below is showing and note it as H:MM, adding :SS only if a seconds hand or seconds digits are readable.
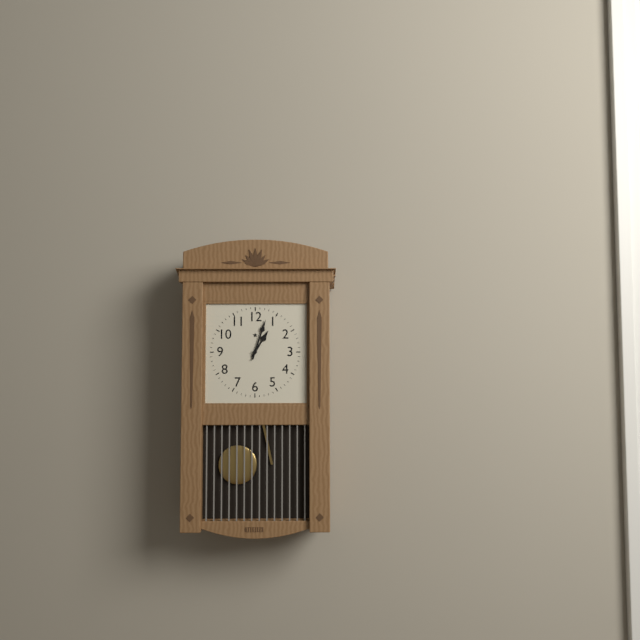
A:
1:03
